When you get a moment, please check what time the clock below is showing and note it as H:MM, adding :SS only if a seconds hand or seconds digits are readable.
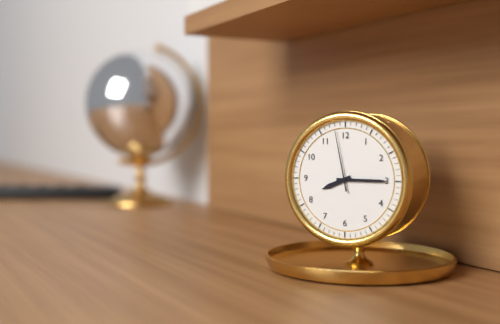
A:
8:15:58
